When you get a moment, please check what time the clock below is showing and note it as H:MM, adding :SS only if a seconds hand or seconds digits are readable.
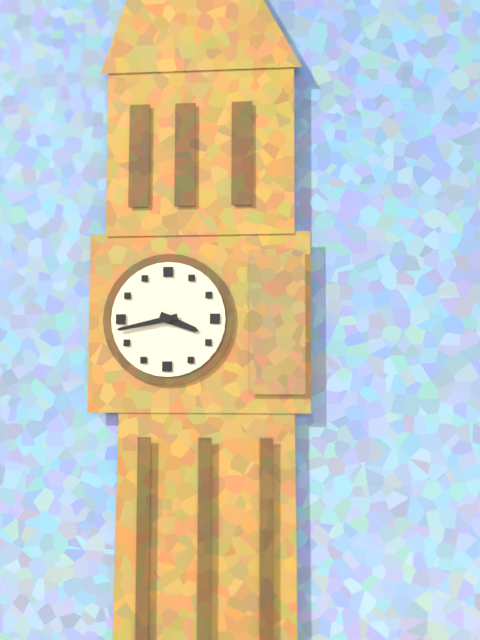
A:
3:43
